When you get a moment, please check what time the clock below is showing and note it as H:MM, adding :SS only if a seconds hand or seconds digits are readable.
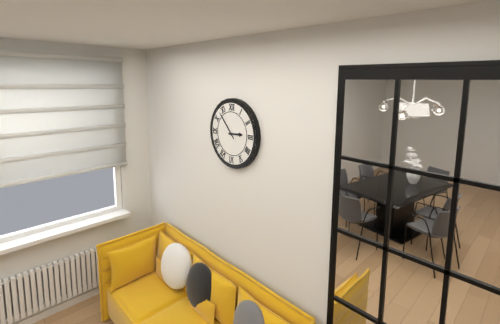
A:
2:53
